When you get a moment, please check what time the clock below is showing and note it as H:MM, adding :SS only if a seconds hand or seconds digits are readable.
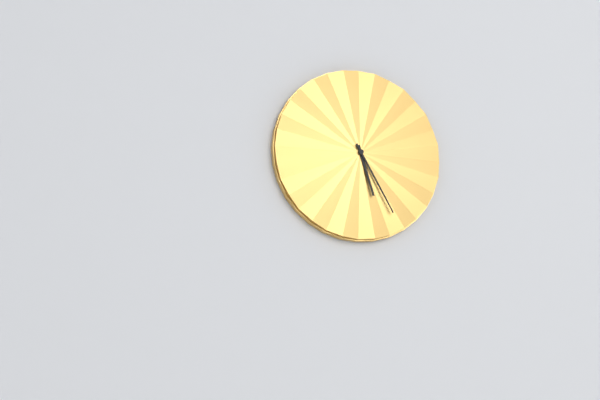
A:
5:25
